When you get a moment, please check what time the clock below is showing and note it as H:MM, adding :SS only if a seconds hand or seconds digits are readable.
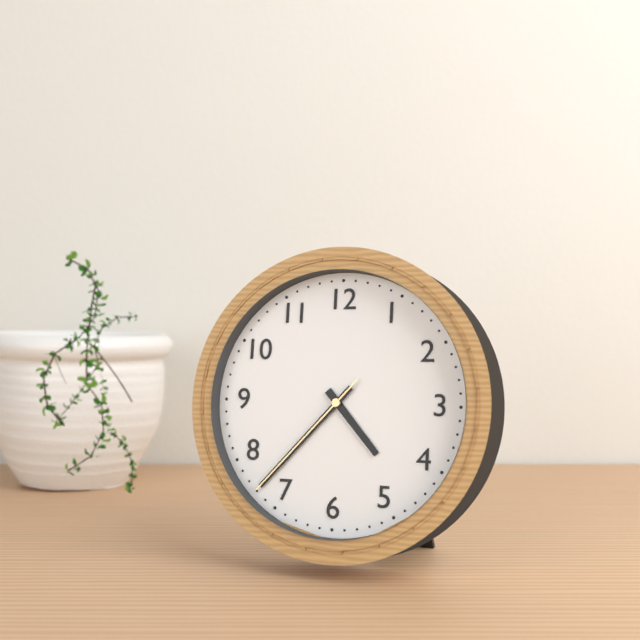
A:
4:37:37
